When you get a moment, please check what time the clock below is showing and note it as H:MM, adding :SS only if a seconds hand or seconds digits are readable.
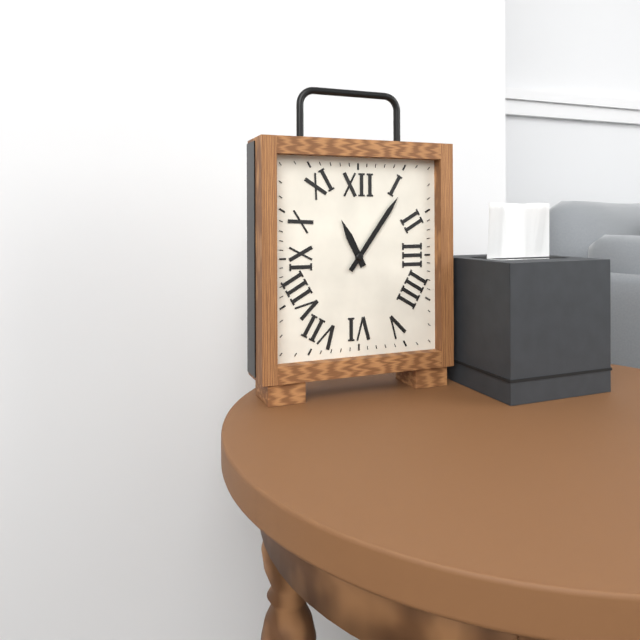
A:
11:06
